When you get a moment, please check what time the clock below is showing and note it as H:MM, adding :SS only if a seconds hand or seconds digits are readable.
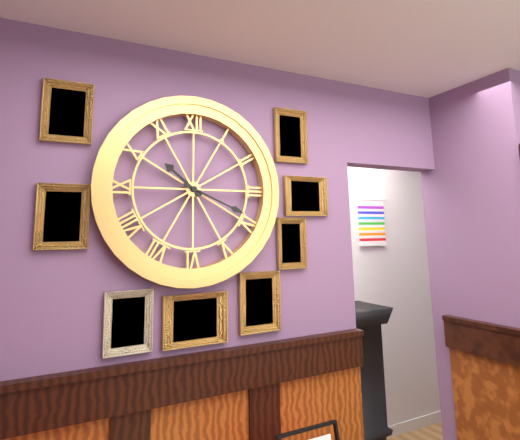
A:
10:19
